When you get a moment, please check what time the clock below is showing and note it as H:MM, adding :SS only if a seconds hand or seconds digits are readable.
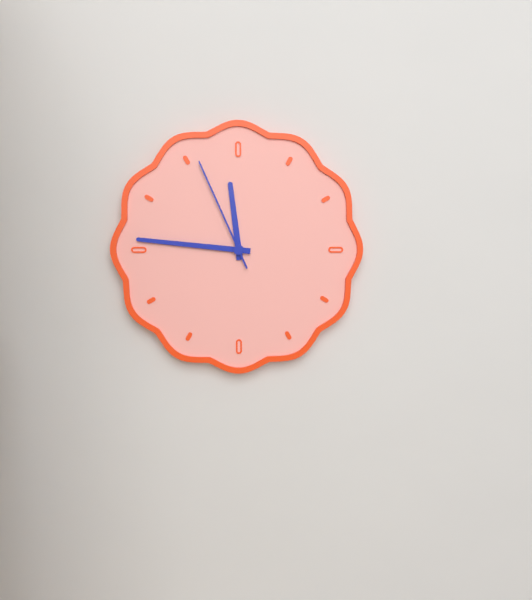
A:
11:46:56
